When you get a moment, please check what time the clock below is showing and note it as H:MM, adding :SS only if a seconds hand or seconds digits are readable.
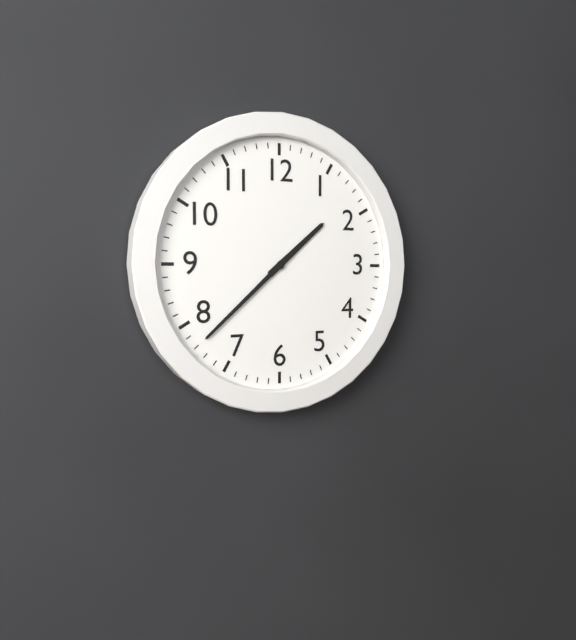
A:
1:38
